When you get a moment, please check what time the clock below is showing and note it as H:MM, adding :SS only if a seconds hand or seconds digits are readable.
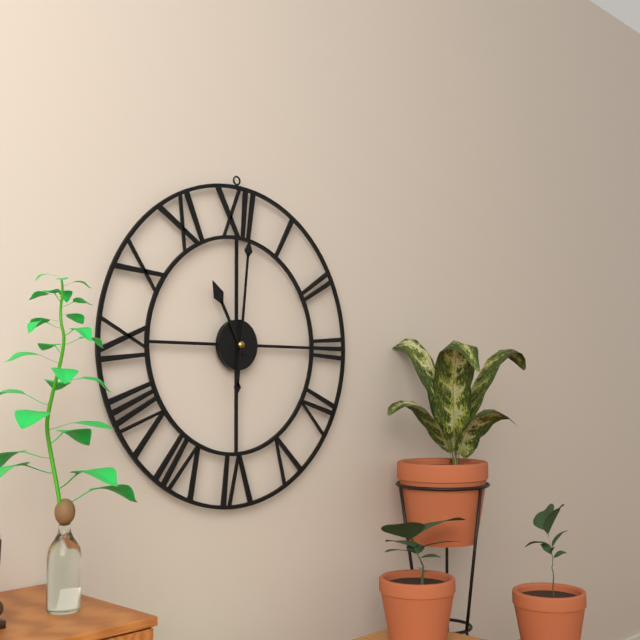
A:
11:01
